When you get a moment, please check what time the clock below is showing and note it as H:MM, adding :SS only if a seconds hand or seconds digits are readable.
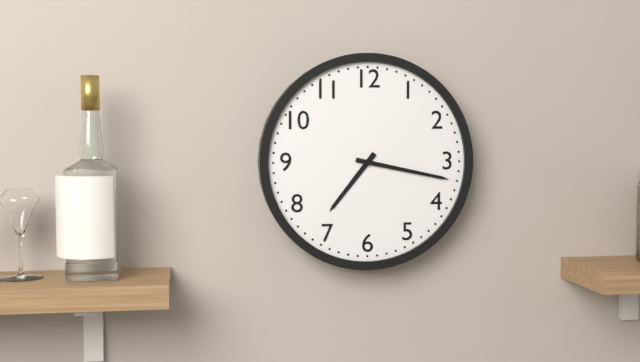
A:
7:17
